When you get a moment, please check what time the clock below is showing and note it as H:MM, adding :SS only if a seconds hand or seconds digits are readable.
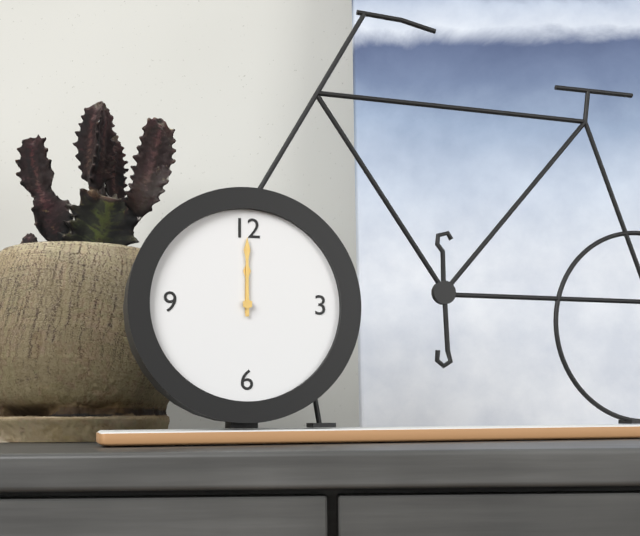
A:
12:00
